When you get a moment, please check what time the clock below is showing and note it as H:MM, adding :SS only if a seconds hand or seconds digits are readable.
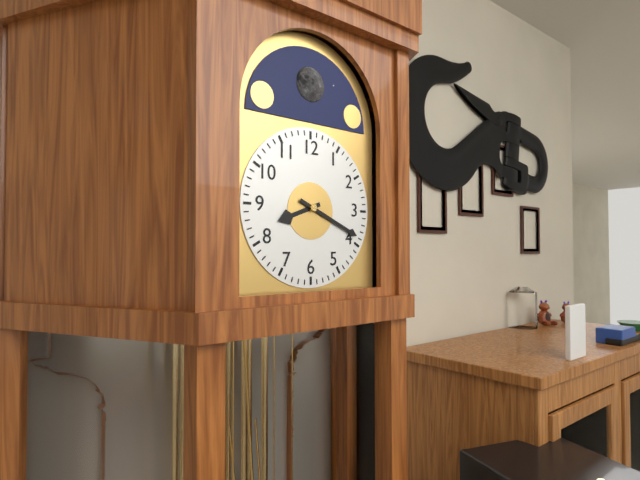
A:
8:19
